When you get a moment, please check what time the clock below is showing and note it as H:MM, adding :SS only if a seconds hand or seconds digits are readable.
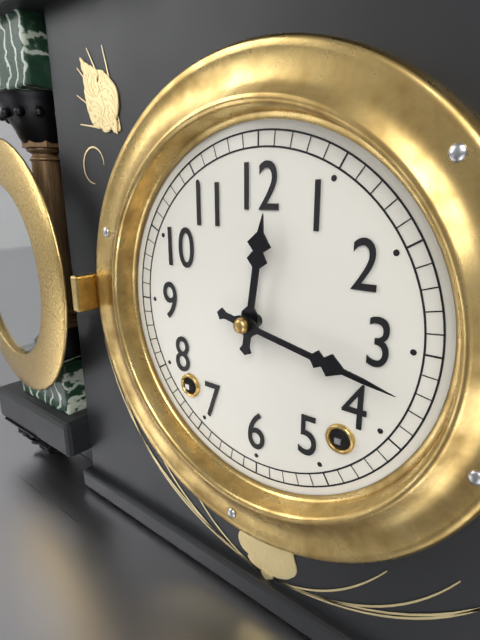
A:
12:17
